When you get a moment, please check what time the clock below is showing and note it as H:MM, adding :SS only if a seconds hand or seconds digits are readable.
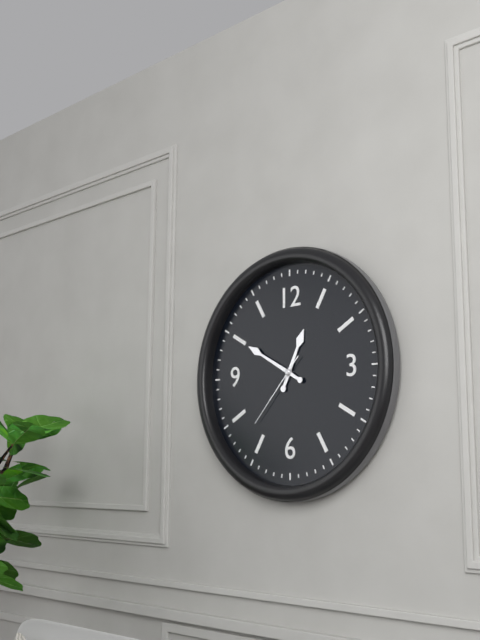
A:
12:50:37
